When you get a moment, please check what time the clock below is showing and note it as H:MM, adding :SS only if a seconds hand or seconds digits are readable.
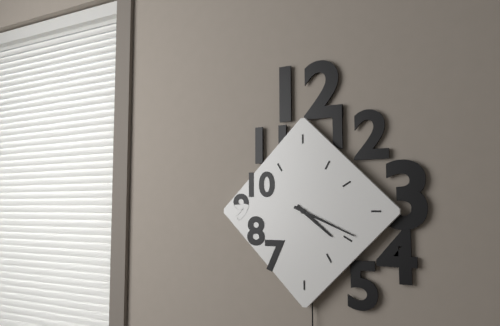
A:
4:19
